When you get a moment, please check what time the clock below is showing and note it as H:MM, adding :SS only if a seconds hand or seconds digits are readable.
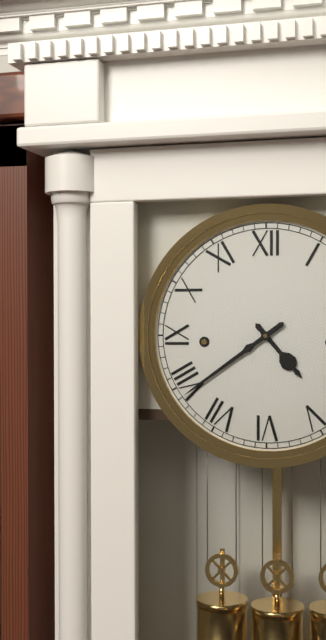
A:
4:39
